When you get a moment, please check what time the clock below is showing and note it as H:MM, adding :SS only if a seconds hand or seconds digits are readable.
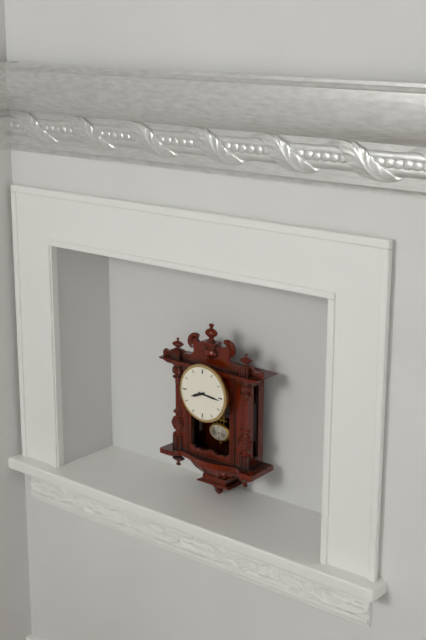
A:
8:16
